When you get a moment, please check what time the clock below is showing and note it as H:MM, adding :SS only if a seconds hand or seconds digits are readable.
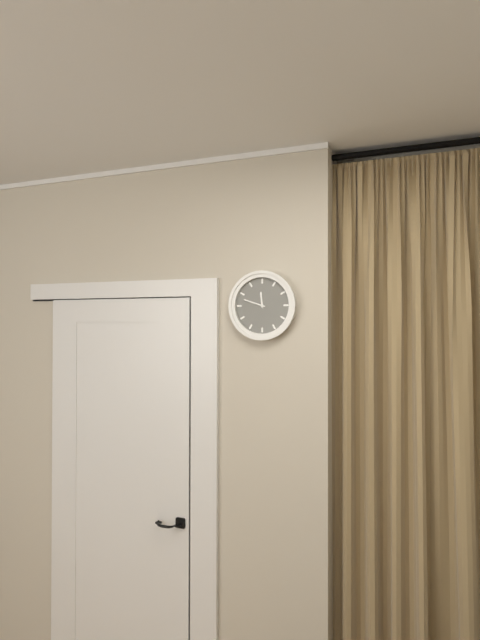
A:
11:48
